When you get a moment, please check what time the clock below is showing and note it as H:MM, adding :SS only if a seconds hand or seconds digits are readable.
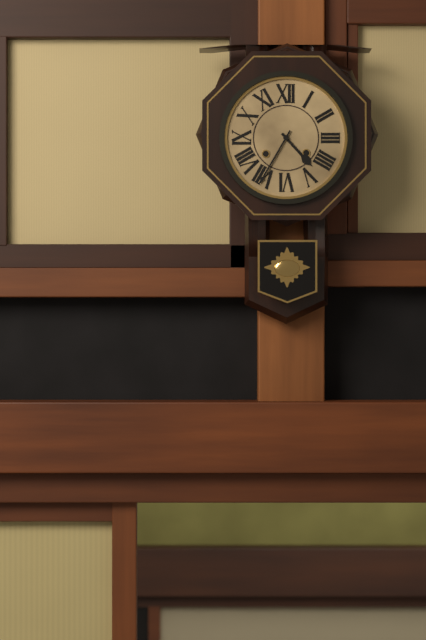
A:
4:35
